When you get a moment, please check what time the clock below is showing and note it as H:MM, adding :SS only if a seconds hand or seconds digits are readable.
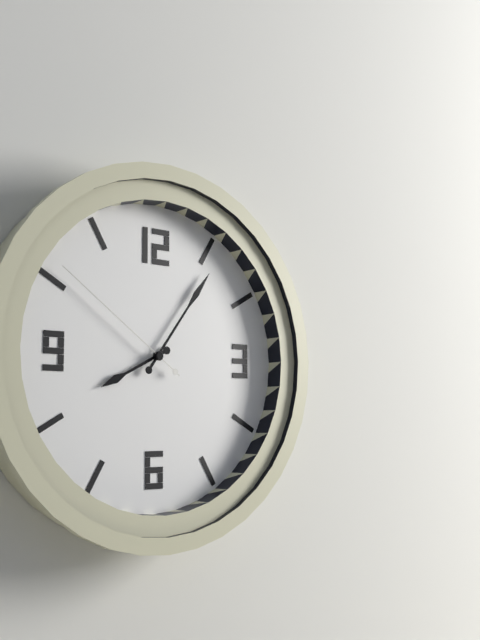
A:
8:06:51
